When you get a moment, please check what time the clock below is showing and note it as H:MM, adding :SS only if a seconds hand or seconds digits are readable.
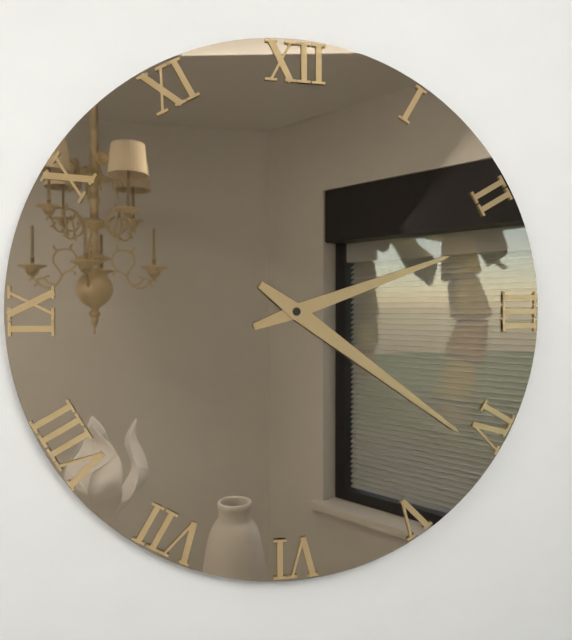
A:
2:21
